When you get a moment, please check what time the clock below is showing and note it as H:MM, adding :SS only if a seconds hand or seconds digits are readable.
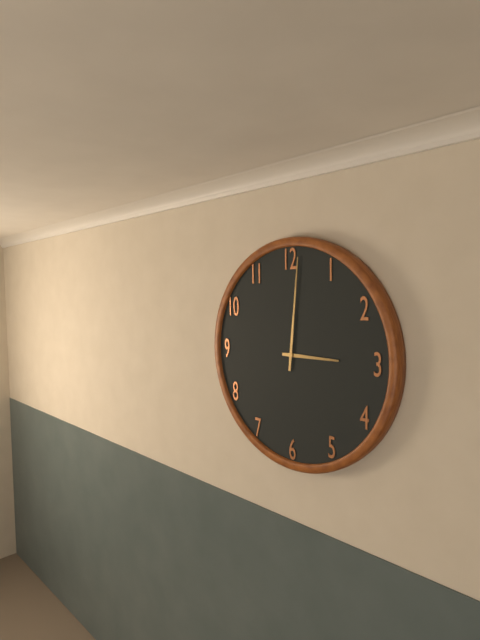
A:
3:01
